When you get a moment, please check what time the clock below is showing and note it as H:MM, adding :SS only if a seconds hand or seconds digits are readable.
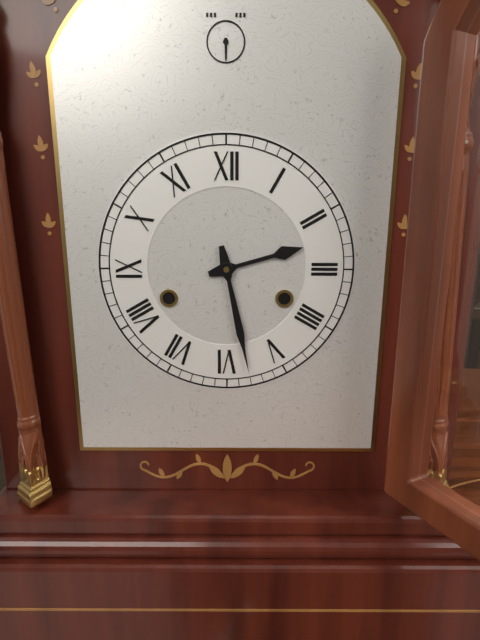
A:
2:28
